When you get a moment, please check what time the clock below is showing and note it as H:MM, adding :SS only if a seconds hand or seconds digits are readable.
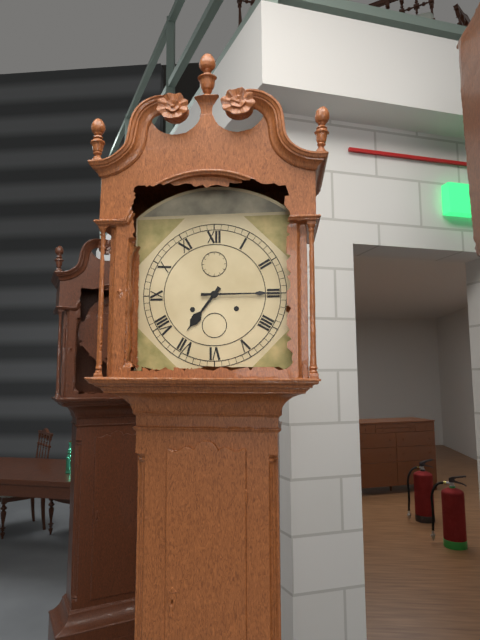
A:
7:15
